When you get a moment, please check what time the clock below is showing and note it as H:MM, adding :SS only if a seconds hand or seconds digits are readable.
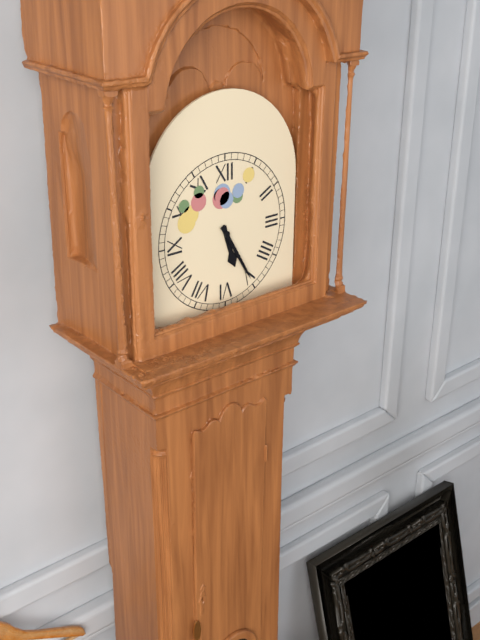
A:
5:25
